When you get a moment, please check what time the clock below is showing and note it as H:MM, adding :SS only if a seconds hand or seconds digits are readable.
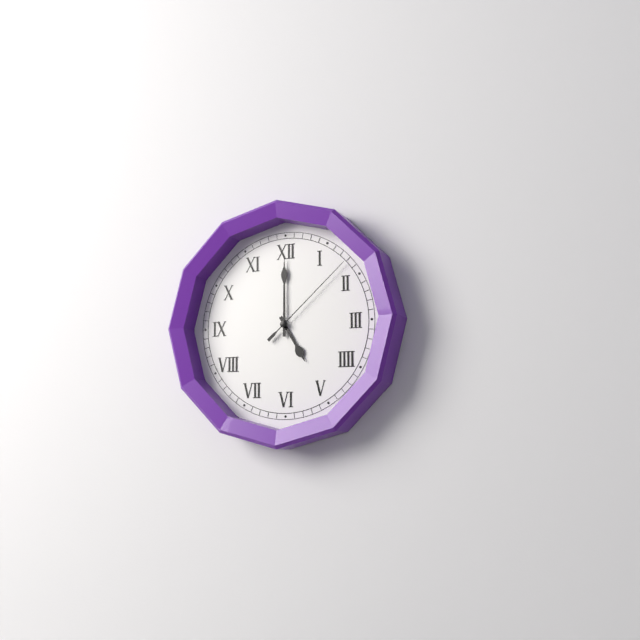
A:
5:00:08
